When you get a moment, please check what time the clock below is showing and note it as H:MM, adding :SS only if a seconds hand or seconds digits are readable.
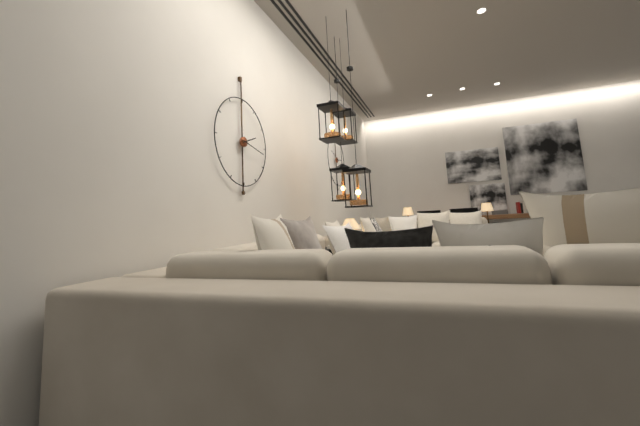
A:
2:17
